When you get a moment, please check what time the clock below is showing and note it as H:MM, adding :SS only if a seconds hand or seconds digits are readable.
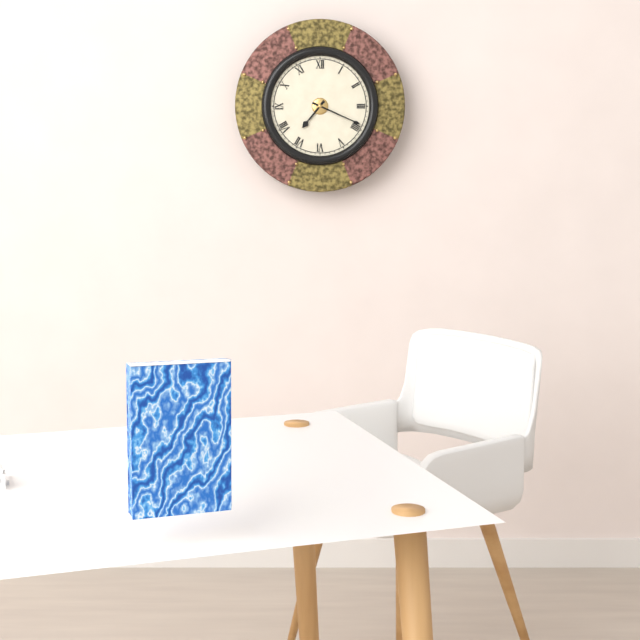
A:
7:19
